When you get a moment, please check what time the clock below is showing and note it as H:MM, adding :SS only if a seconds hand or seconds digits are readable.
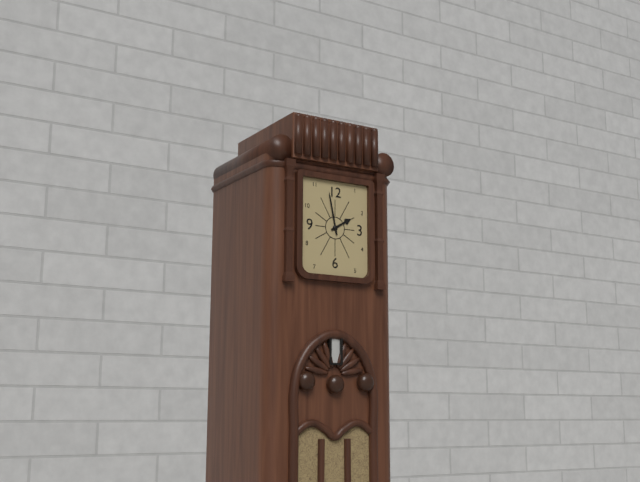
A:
1:58
